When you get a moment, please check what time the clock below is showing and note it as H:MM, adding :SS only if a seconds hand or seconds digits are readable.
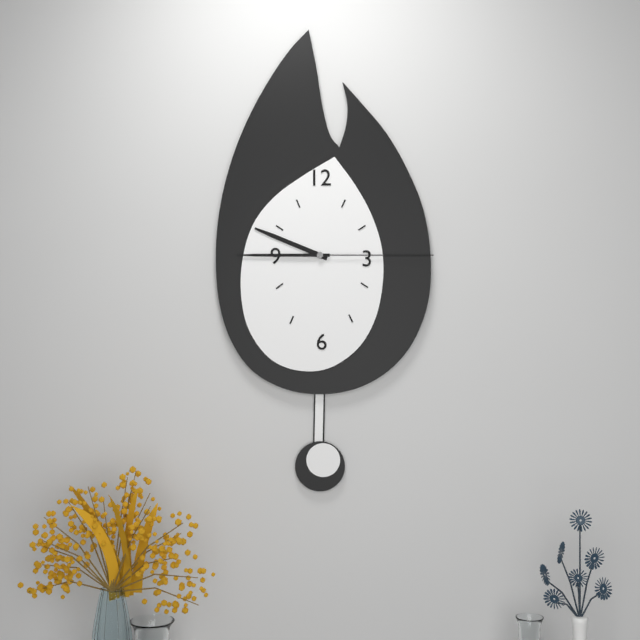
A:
9:45:15
